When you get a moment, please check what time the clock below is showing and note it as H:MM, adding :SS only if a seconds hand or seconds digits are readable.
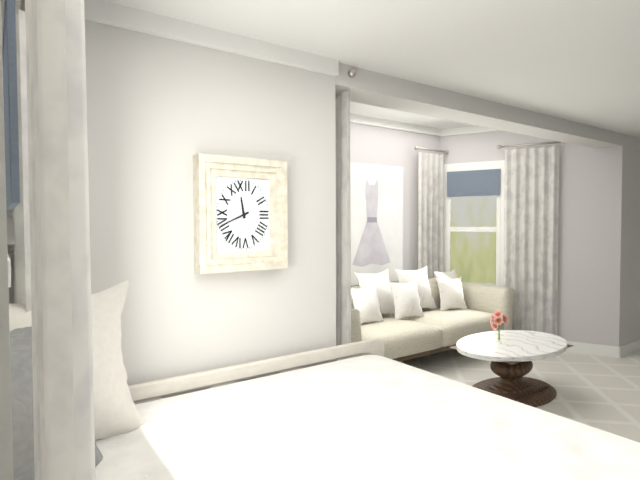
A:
11:41
